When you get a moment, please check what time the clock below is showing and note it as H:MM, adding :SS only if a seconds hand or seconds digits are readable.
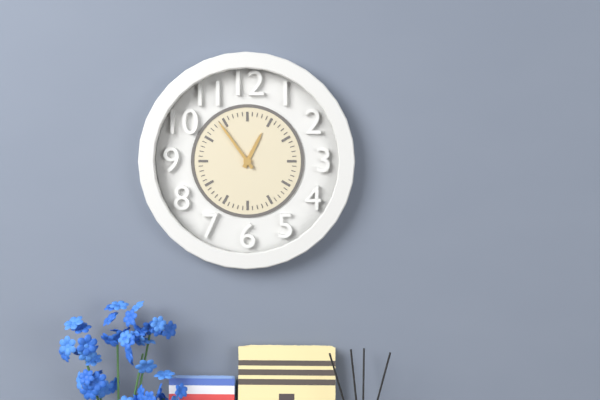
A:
12:54
